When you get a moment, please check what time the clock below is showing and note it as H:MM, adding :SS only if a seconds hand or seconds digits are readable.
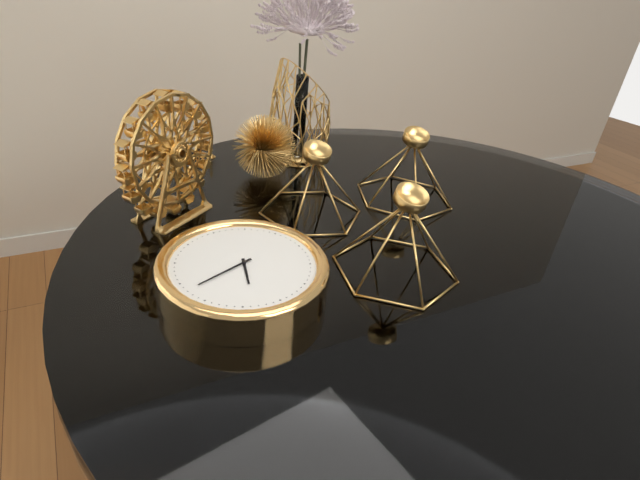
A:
6:43
